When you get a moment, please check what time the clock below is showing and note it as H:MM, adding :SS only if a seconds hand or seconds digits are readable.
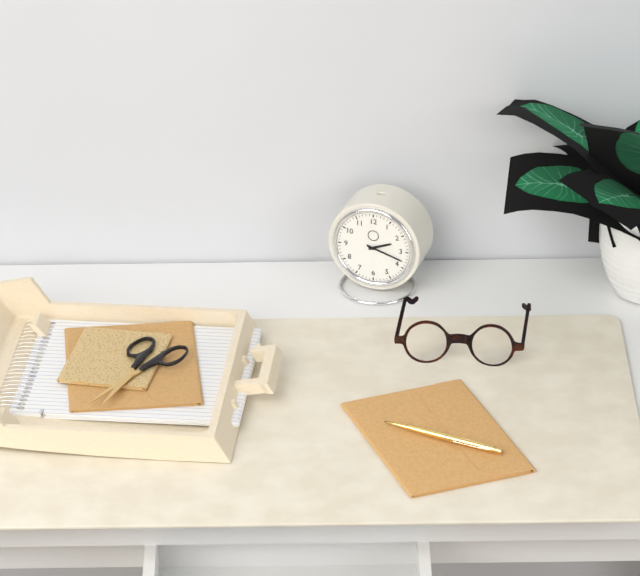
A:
2:18
